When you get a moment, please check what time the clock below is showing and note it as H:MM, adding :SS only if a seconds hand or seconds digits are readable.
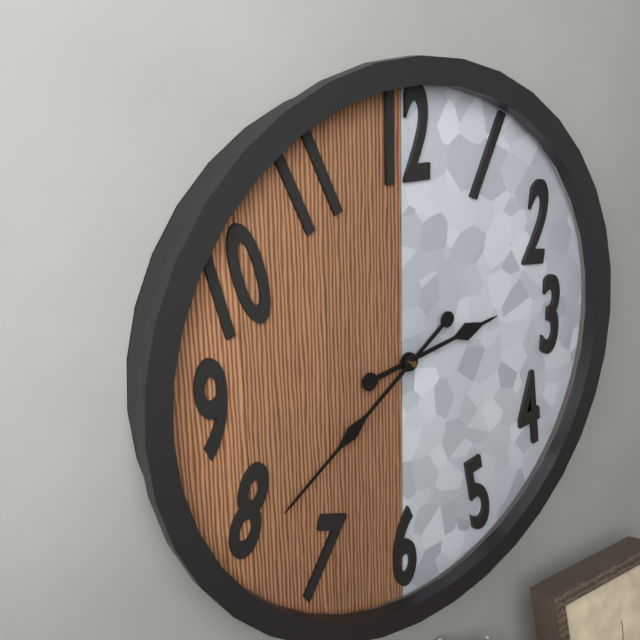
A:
2:39
